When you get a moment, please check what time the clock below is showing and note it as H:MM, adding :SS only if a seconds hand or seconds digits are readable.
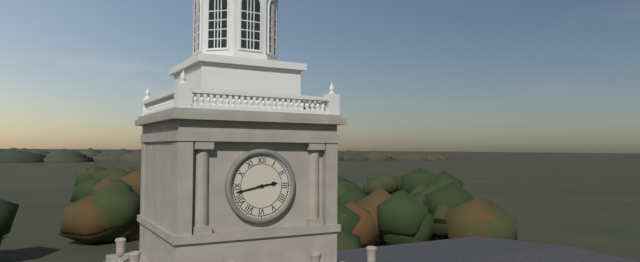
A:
2:43
